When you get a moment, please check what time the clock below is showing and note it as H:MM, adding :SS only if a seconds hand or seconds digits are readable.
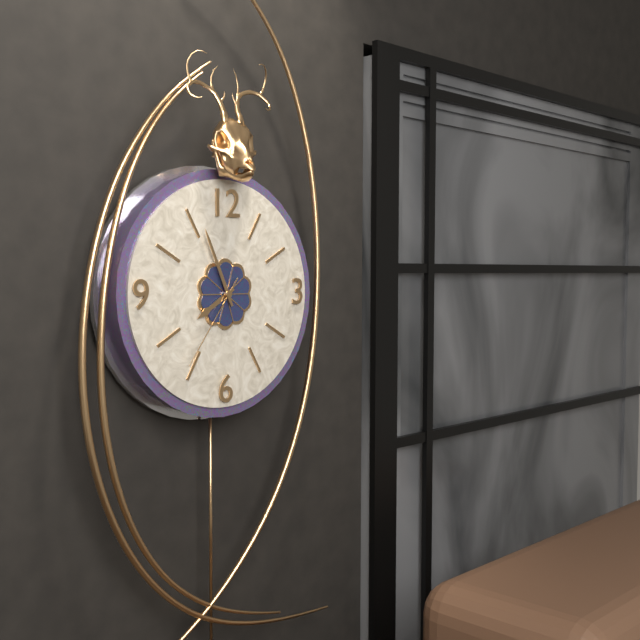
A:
7:56:36
